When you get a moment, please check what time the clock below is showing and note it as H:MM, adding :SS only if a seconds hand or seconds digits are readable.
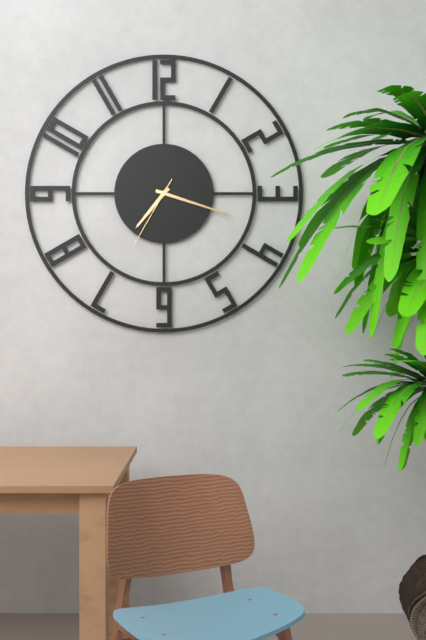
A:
7:18:35
